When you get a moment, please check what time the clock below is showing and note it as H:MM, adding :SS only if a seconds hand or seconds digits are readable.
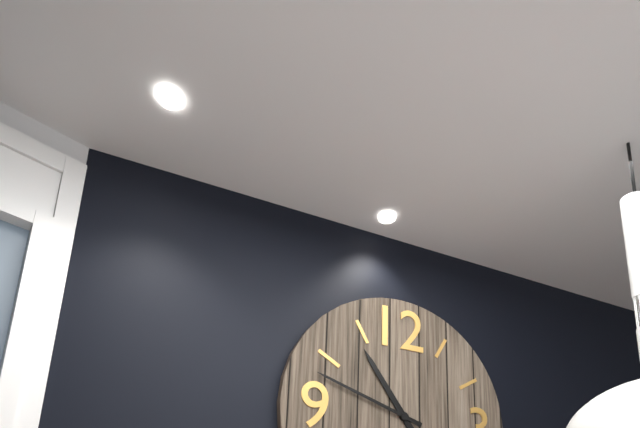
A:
10:48
